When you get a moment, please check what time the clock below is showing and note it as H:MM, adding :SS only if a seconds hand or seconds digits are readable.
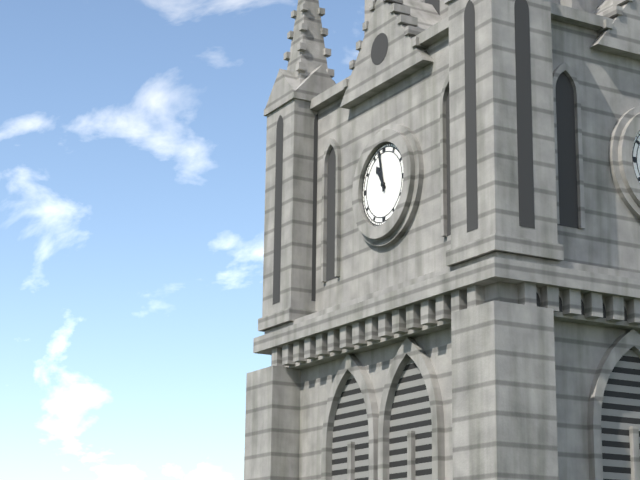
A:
10:58
